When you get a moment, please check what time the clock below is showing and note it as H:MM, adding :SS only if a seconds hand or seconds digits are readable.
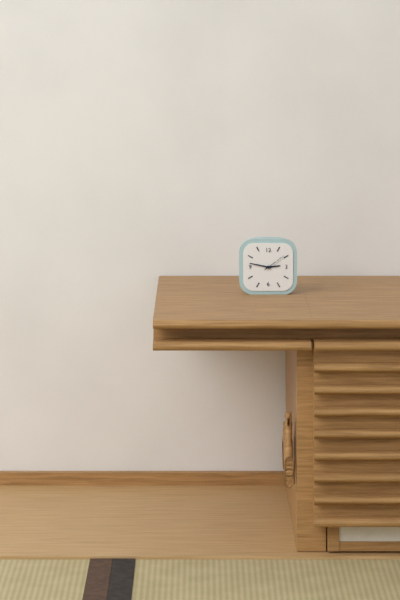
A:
2:47
